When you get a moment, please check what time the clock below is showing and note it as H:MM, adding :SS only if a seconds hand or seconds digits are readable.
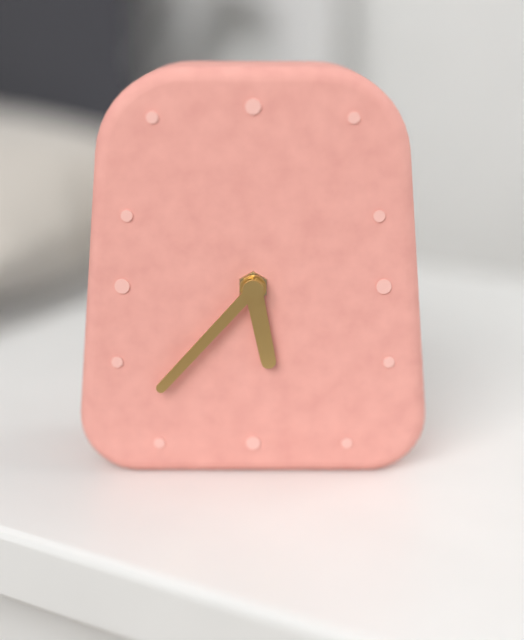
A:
5:37
